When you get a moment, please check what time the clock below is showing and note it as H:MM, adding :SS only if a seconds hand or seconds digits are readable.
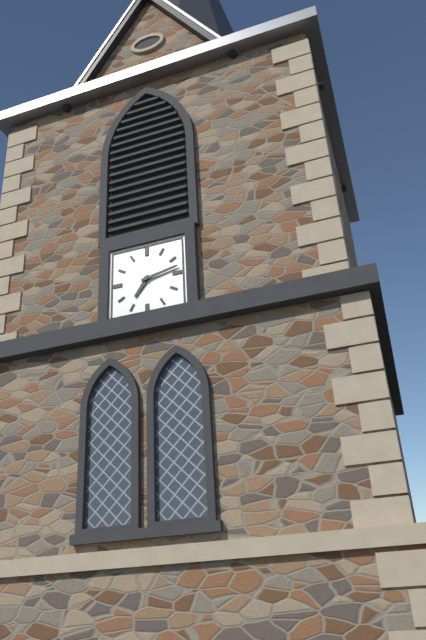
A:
7:13
